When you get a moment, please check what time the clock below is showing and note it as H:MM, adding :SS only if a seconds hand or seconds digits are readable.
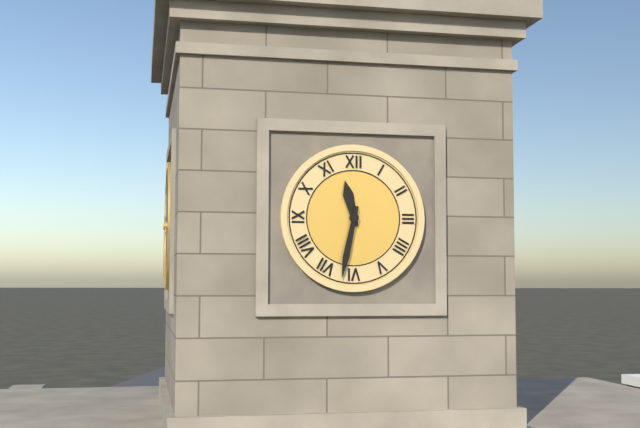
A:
11:32
